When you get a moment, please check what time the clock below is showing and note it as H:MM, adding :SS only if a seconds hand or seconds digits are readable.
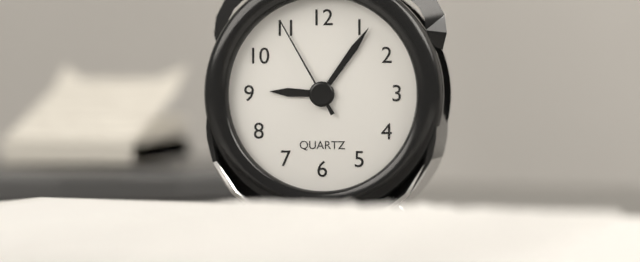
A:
9:06:55
